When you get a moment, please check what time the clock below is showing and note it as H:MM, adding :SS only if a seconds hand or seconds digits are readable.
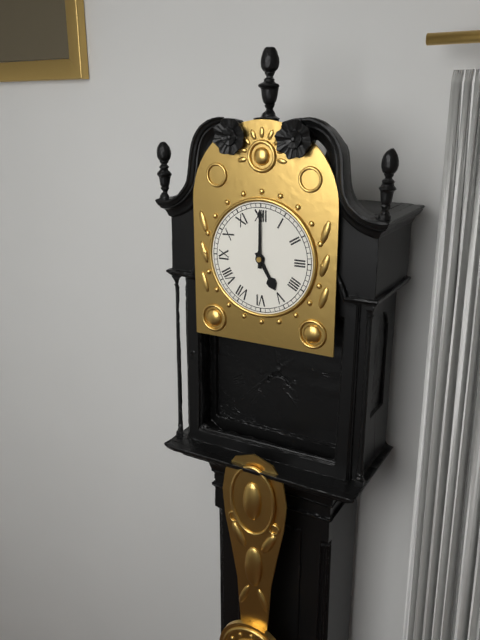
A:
5:00
